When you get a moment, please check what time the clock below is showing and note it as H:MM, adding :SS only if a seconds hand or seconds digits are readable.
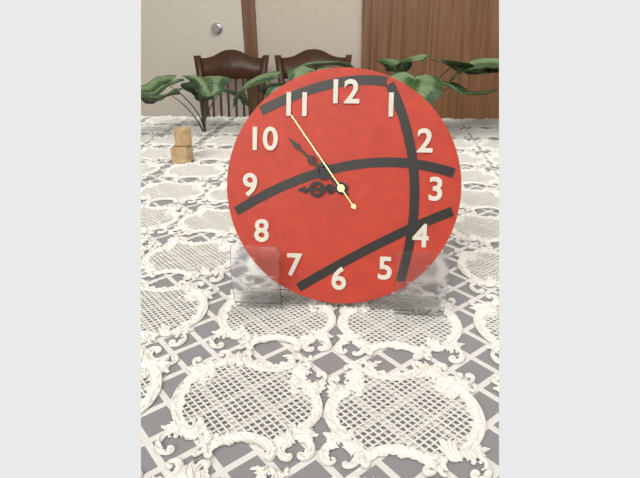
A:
8:52:54
